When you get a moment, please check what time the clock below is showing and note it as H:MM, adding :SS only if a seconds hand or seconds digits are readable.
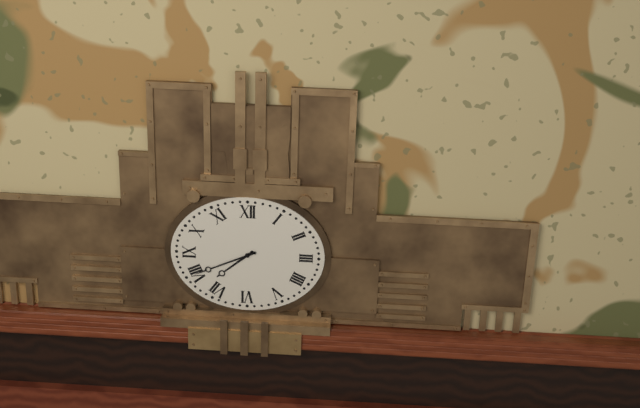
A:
7:41
